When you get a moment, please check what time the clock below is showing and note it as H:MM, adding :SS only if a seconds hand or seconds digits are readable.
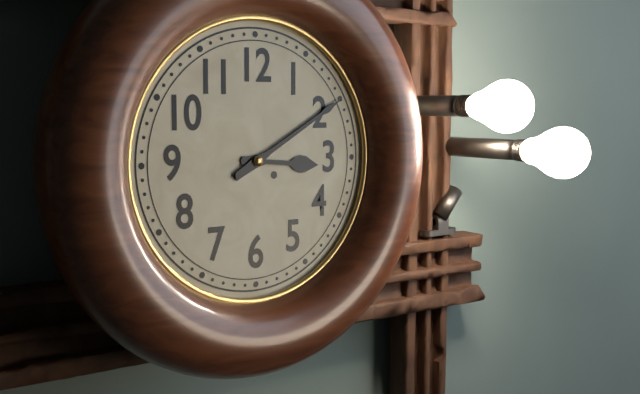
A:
3:10
